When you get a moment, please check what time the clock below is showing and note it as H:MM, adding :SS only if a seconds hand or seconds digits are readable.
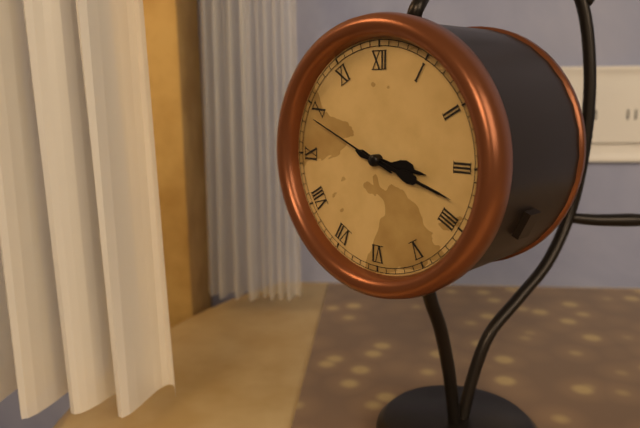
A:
3:18:49
